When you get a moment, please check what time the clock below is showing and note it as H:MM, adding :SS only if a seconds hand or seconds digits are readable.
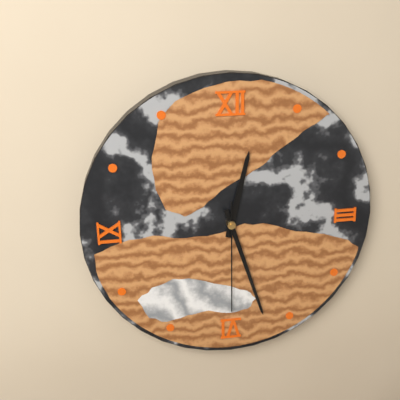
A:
12:27:30
